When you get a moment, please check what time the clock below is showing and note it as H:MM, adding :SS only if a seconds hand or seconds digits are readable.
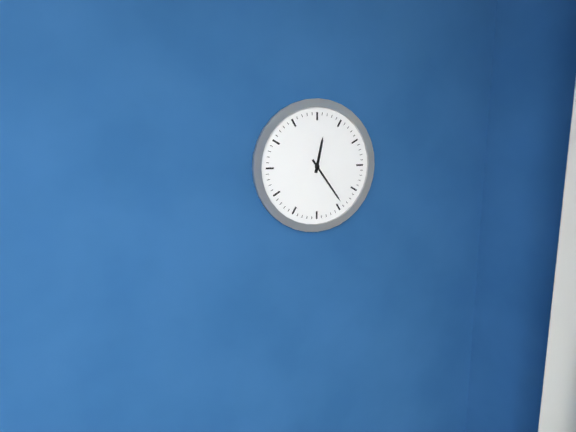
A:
12:24
